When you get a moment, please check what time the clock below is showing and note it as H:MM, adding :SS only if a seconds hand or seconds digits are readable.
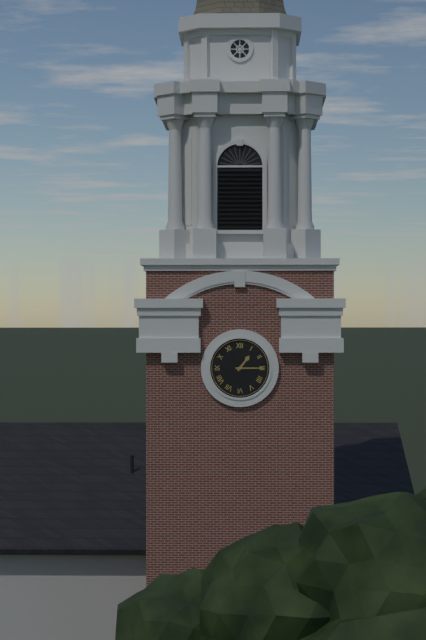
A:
1:15
